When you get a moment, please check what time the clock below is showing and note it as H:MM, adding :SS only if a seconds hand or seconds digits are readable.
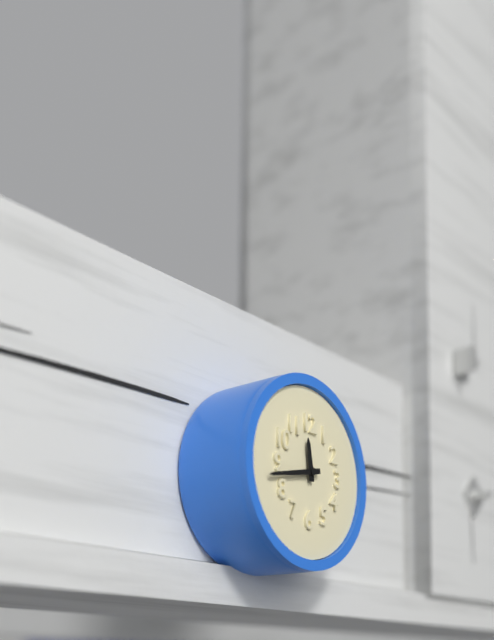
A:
11:43
